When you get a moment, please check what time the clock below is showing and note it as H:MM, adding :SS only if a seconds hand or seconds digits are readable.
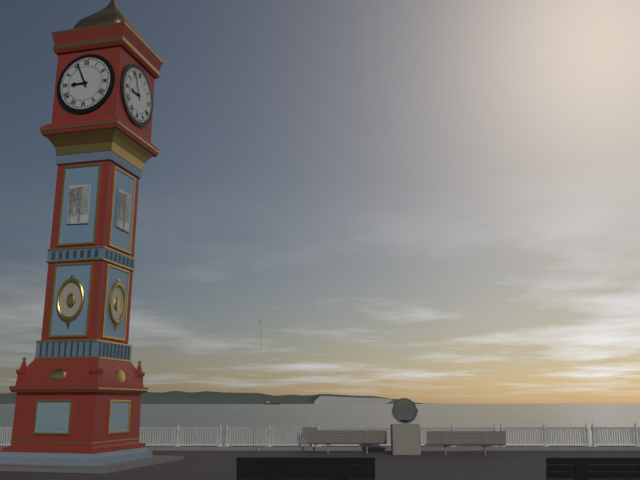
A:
8:56
